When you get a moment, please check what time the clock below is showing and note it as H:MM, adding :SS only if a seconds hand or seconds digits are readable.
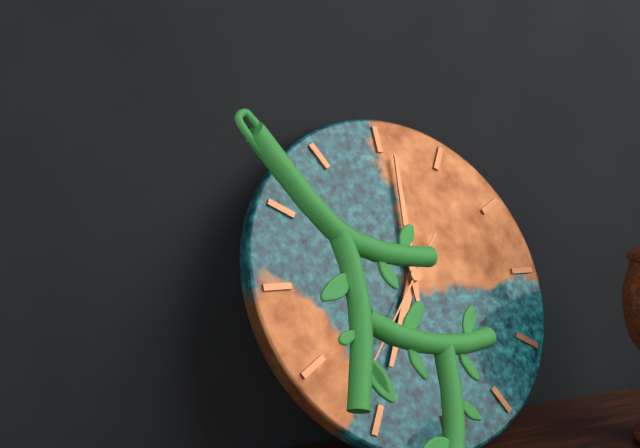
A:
7:01
